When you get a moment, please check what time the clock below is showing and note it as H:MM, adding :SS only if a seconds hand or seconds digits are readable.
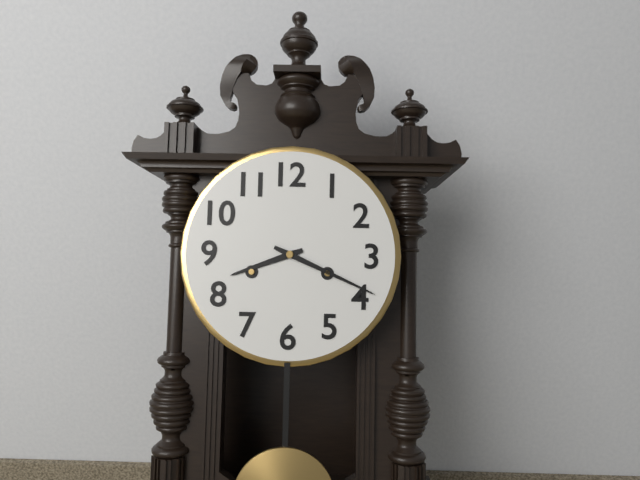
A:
8:19
